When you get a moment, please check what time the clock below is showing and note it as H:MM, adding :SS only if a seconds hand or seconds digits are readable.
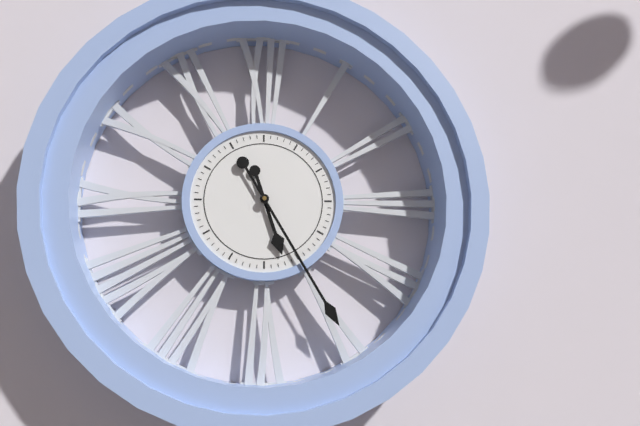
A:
5:25
